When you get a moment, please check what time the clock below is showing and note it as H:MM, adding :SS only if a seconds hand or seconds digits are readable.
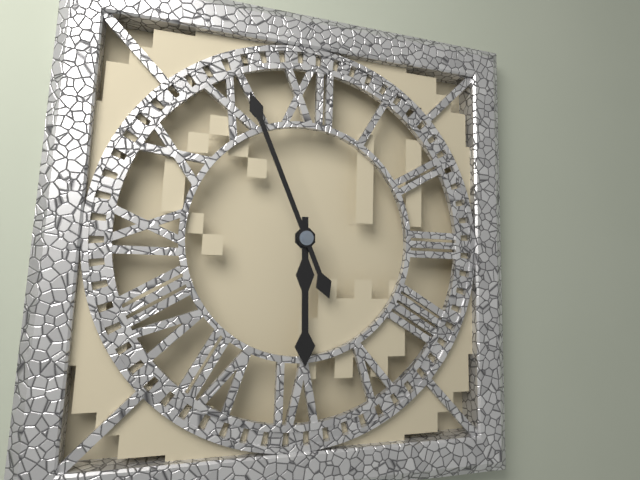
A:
5:56
